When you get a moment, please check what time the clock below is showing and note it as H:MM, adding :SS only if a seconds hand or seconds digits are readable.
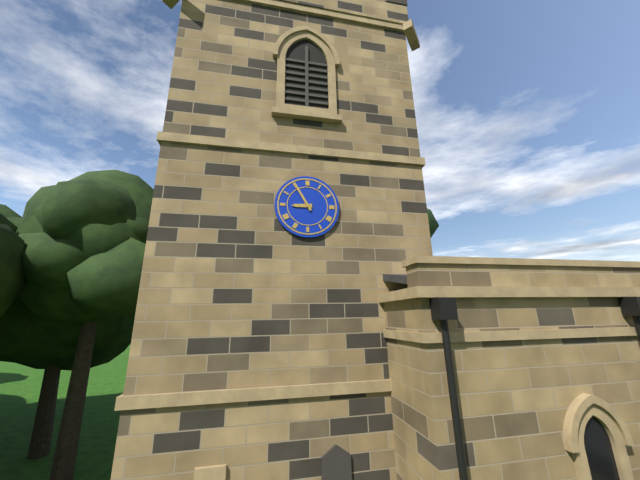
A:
8:55
